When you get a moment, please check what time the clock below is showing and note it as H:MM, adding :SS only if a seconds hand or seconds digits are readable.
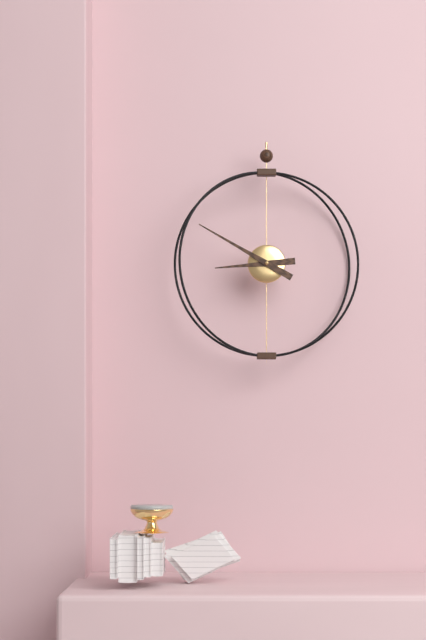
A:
8:50
